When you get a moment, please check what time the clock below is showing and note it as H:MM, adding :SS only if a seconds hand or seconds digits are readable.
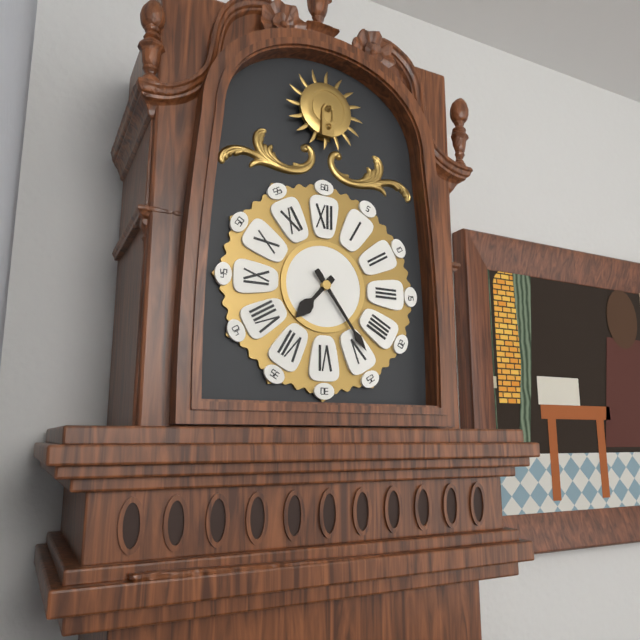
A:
7:24
